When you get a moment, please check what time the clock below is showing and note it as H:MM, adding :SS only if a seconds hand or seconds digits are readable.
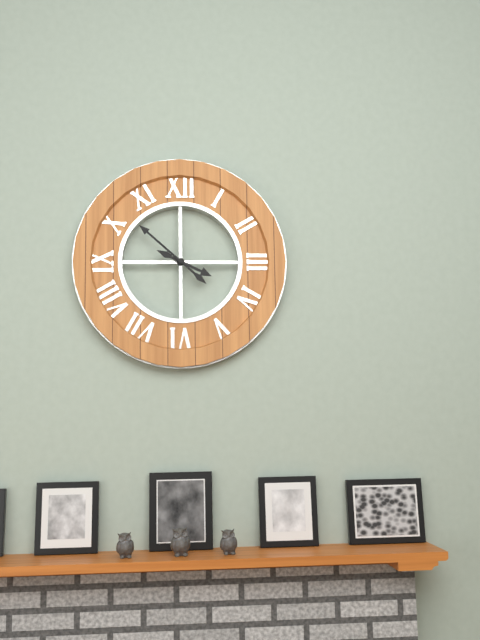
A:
3:52
